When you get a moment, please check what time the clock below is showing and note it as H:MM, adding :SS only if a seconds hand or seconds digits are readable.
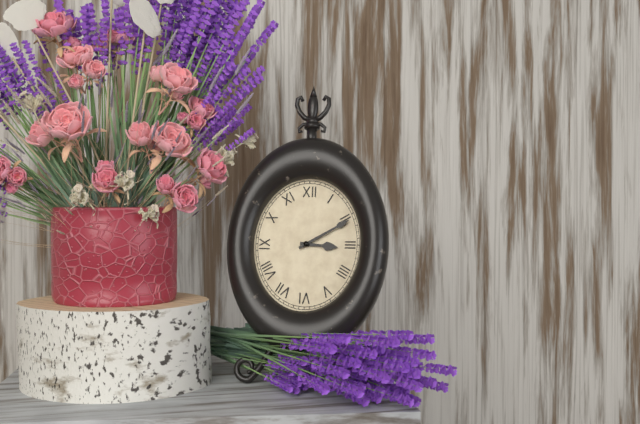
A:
3:10
